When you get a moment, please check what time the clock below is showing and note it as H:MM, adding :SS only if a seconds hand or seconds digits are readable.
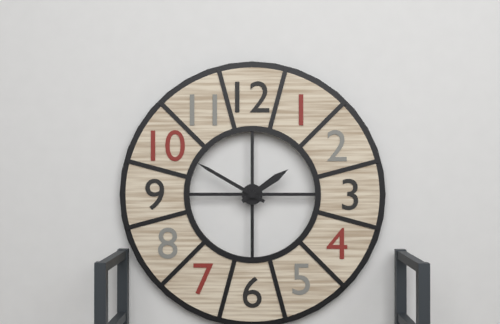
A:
1:50
